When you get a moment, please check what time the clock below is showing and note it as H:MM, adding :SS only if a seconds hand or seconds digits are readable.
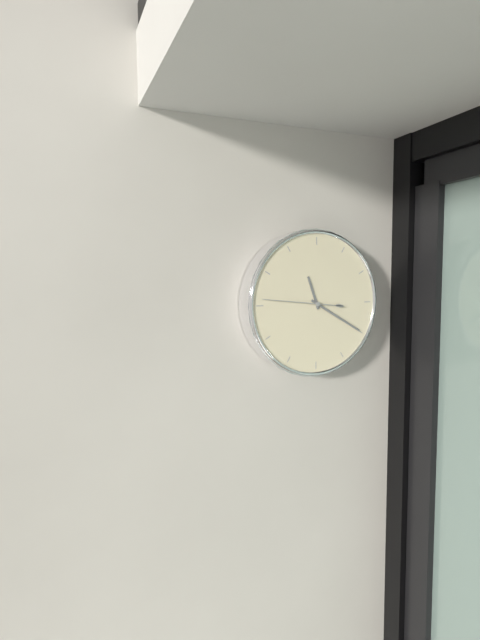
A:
11:20:46
